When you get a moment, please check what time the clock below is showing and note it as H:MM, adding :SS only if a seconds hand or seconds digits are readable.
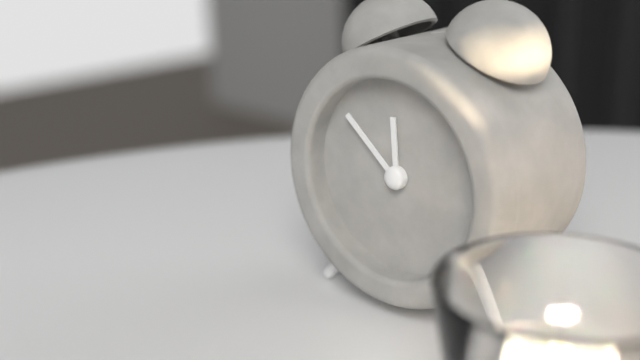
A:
11:52
